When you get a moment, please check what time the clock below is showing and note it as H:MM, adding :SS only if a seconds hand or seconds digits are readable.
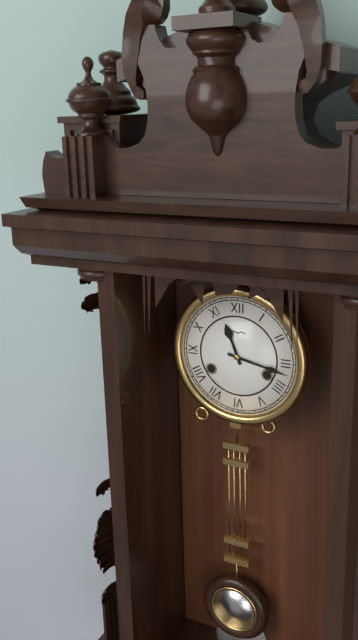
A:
11:17
